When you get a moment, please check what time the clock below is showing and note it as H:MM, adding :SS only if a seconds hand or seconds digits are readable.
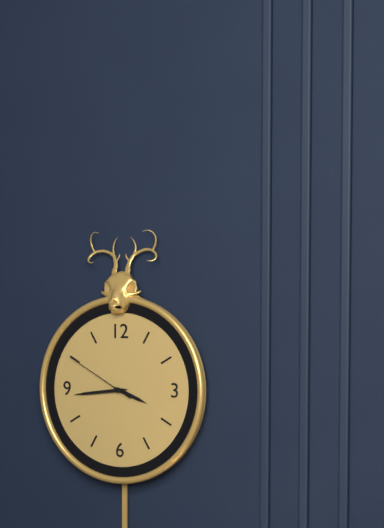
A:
3:44:50
